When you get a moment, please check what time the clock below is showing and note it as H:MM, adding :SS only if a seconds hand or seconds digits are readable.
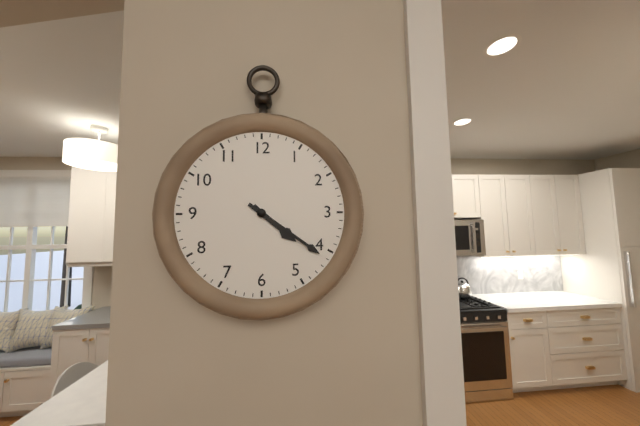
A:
4:21
